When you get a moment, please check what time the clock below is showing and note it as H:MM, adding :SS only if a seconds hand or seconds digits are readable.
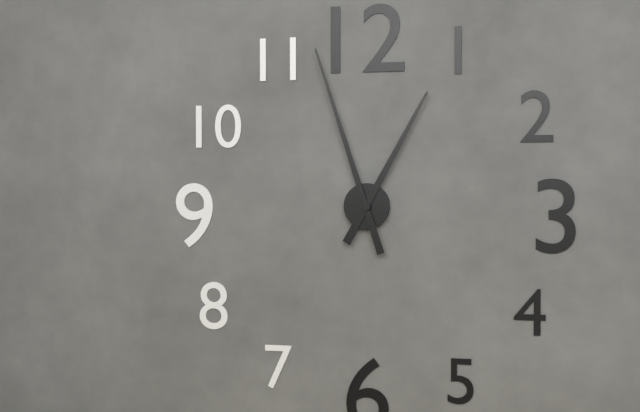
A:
12:57
